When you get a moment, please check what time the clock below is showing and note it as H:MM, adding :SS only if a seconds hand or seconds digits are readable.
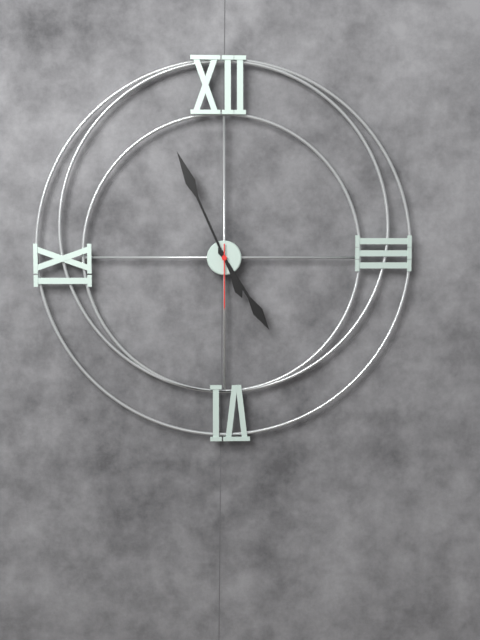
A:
4:56:30
